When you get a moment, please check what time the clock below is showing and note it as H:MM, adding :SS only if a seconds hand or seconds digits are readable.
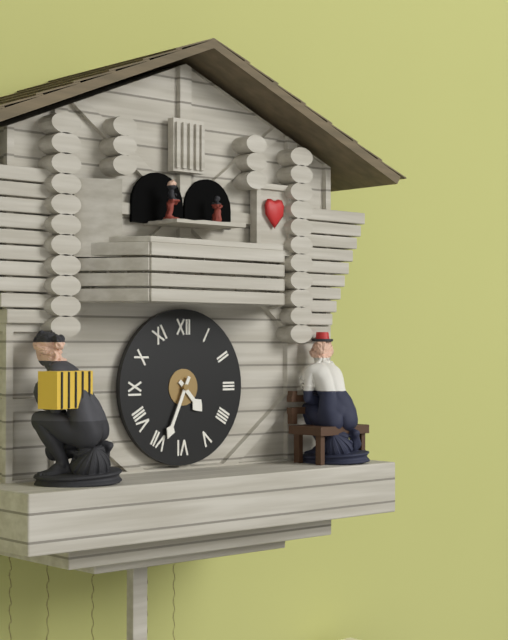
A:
4:34
